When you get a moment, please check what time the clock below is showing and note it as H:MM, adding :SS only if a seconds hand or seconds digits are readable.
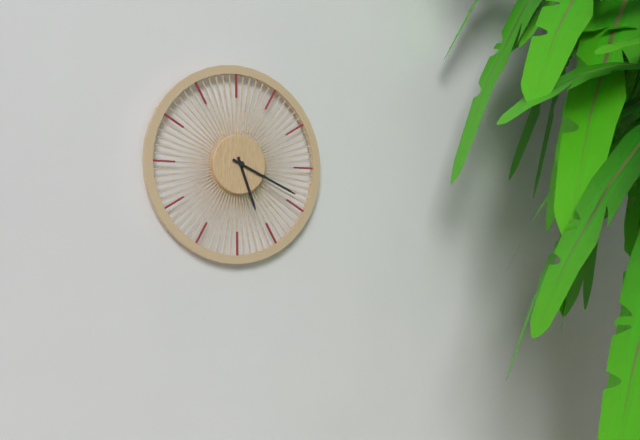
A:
5:19
